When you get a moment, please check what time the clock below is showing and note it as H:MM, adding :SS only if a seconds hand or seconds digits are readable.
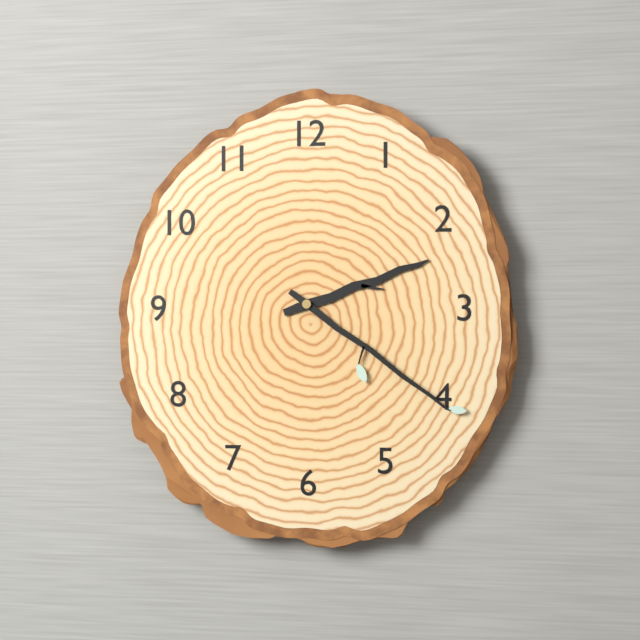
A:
2:21
